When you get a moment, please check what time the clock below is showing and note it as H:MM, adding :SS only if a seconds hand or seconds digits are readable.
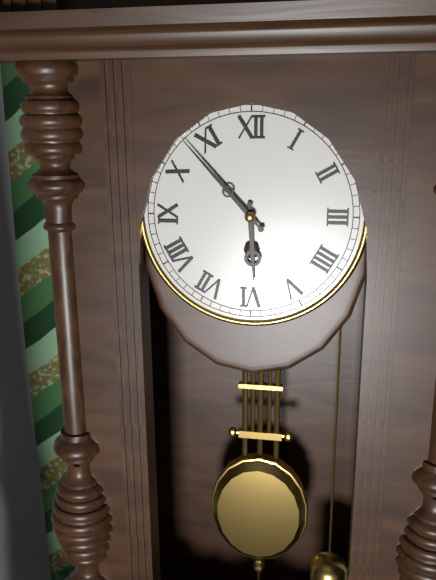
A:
5:53
